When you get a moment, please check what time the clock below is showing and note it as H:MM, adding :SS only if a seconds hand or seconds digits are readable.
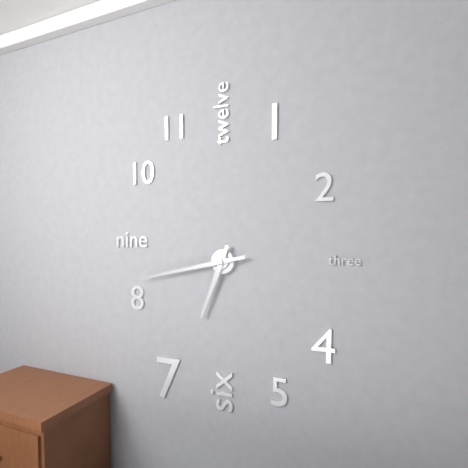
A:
6:43
